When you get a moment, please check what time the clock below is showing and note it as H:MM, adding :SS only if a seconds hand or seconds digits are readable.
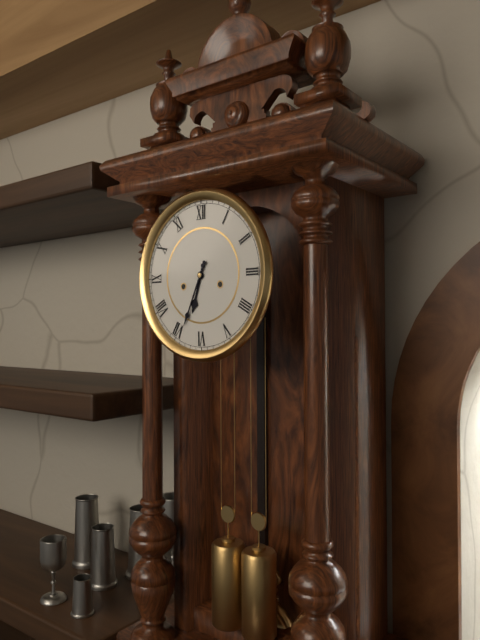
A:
6:34
